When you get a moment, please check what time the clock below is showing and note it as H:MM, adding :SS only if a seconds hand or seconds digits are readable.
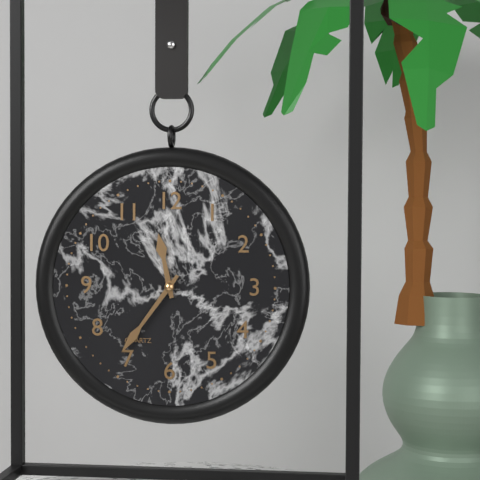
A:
11:36
